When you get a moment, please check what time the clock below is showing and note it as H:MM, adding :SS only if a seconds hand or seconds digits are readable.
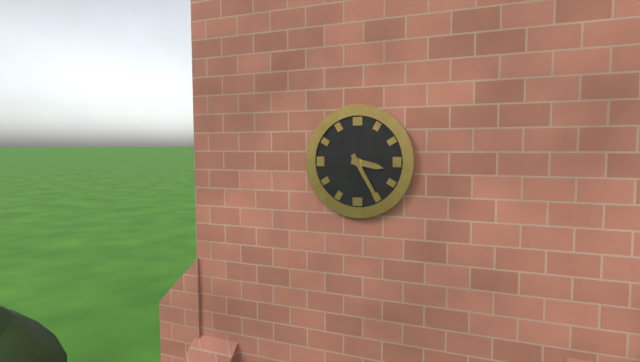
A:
3:25
